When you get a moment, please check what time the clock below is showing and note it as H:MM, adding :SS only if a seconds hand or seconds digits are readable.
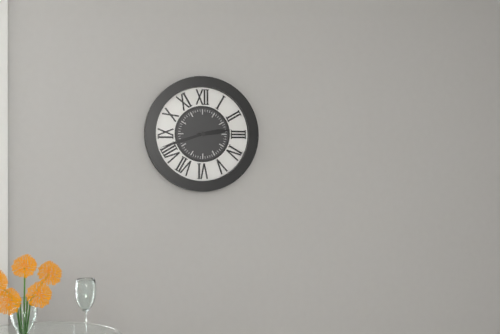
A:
2:42
